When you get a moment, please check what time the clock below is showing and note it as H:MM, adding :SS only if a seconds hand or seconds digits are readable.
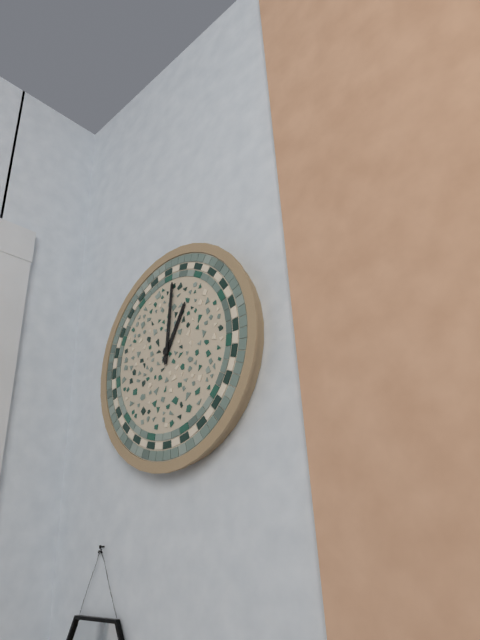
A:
1:01
